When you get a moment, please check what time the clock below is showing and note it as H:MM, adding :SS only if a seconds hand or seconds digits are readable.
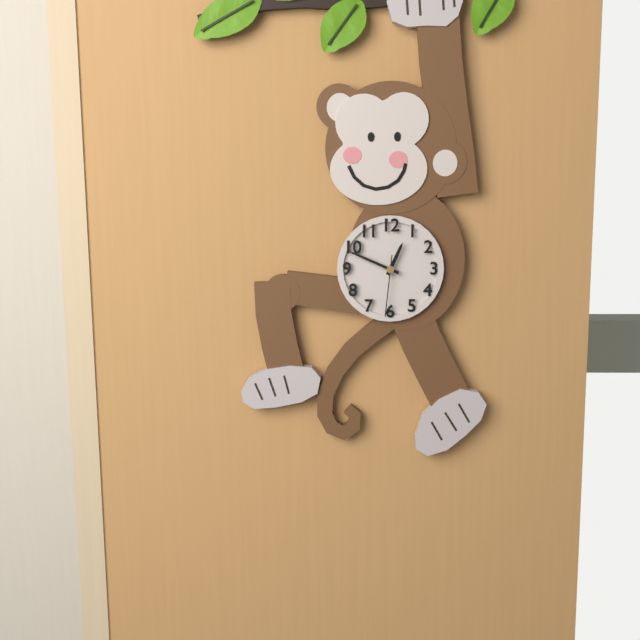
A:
12:49:31
